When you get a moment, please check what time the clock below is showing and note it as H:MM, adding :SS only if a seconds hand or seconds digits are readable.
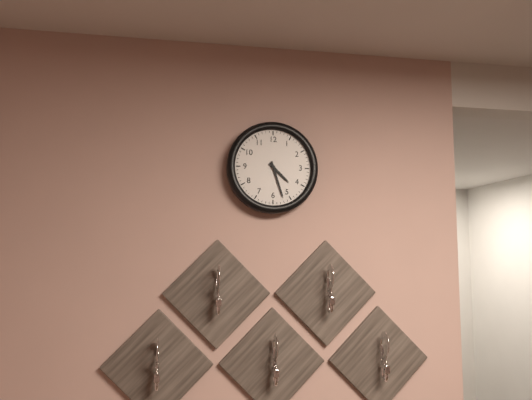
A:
4:27
